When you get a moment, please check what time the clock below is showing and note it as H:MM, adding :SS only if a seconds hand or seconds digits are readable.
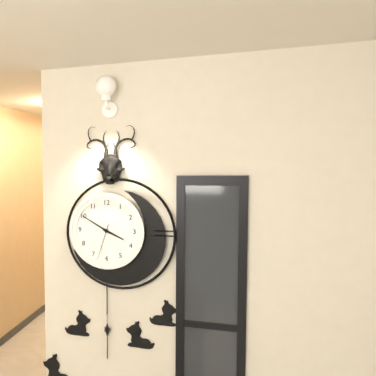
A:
3:50
